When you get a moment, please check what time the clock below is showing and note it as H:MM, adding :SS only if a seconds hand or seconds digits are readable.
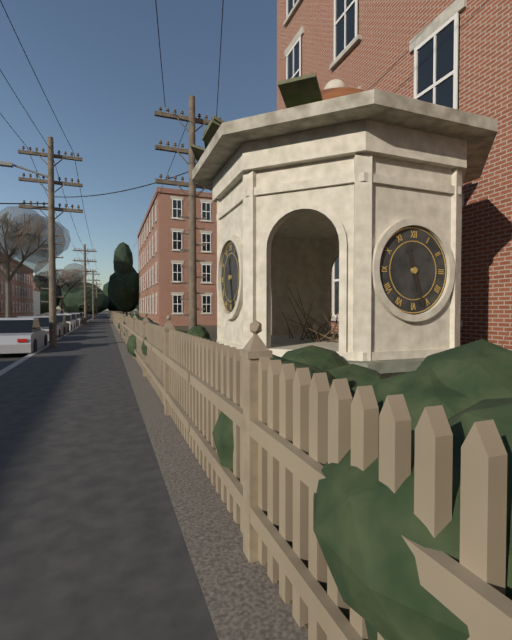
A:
11:27
